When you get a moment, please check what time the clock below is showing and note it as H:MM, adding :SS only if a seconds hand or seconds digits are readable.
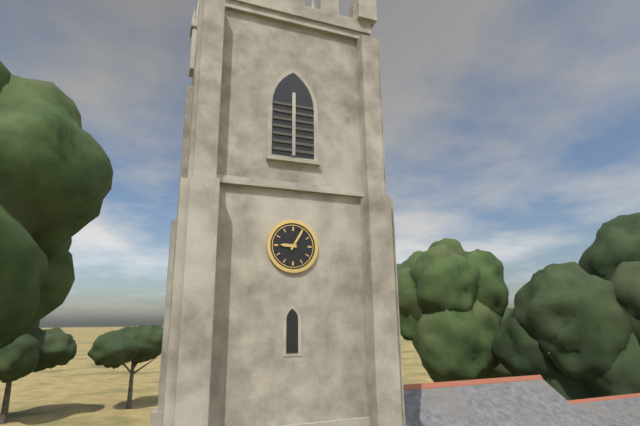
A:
9:05
